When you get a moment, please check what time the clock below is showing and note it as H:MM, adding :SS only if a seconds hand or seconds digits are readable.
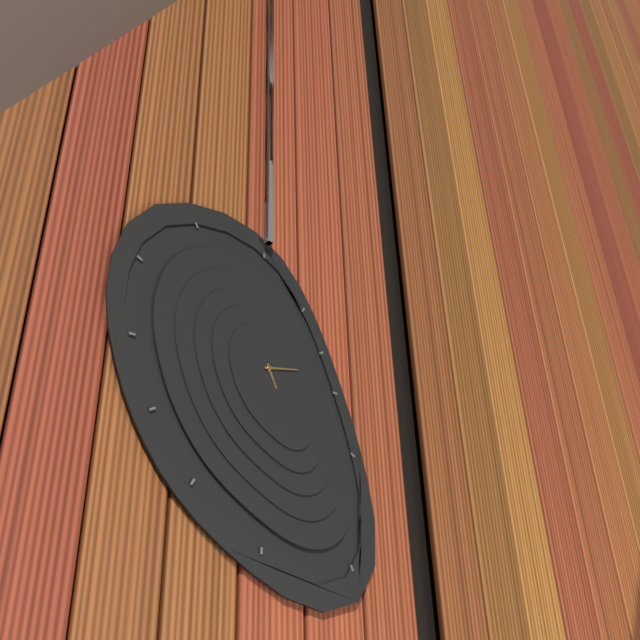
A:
5:13
